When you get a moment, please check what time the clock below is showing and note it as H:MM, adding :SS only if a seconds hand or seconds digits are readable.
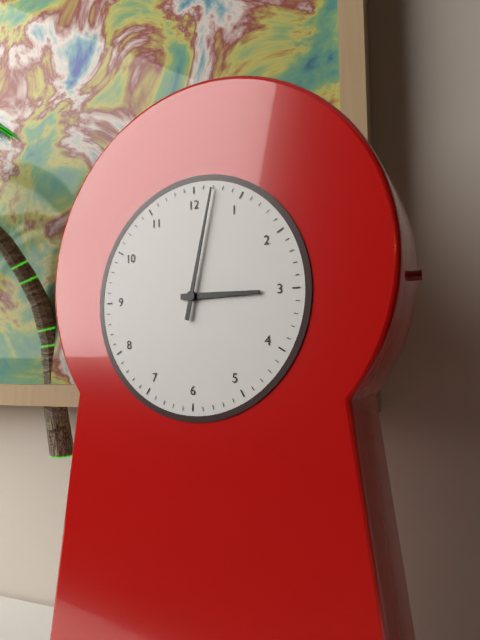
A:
3:02
